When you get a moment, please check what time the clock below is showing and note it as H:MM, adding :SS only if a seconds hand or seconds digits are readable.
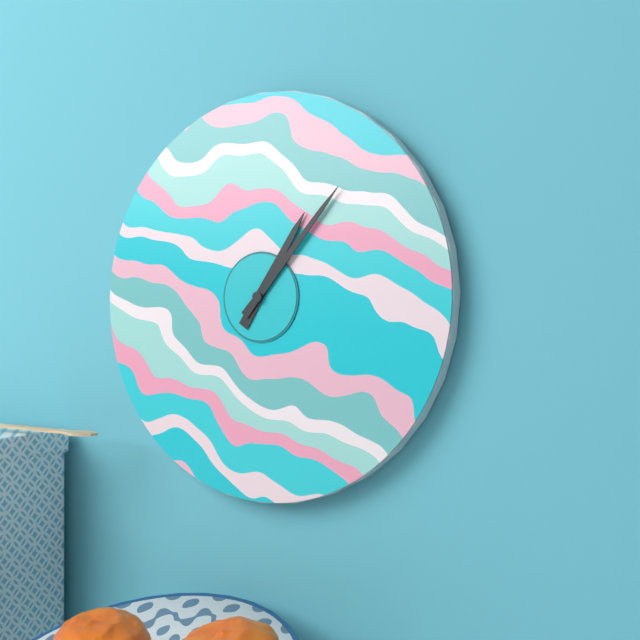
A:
1:07
